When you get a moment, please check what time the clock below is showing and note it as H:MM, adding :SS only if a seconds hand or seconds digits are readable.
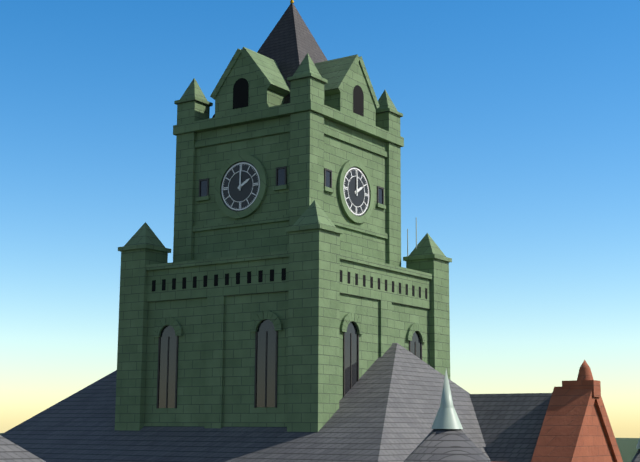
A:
2:00
